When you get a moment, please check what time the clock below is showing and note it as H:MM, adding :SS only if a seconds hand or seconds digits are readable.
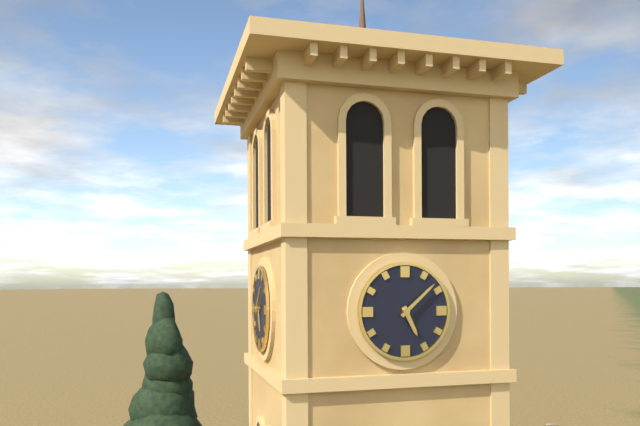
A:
5:08
